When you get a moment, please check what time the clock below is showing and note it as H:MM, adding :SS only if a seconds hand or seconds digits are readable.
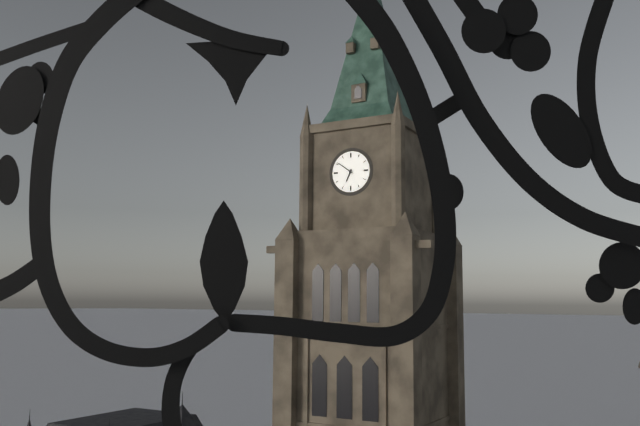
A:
6:51
